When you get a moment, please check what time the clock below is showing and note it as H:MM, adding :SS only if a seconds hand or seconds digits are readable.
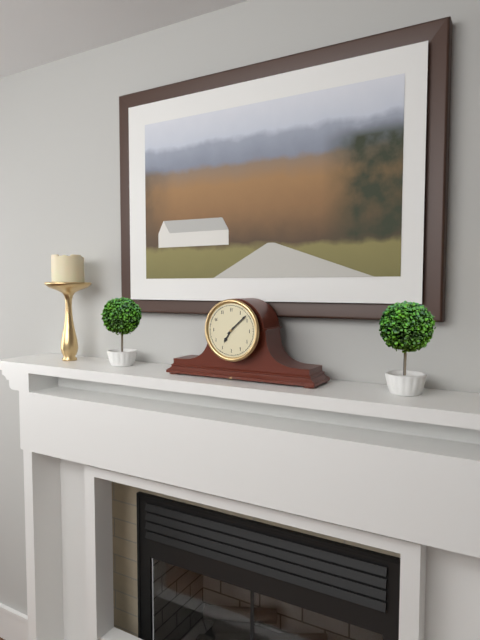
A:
7:08
